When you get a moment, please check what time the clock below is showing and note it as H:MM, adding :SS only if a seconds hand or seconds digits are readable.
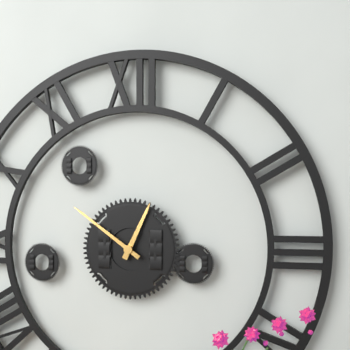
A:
12:51
